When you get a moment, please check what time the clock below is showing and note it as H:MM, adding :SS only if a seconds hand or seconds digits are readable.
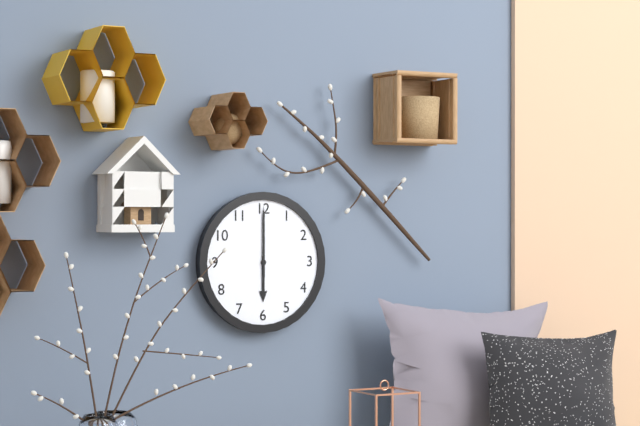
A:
6:00
